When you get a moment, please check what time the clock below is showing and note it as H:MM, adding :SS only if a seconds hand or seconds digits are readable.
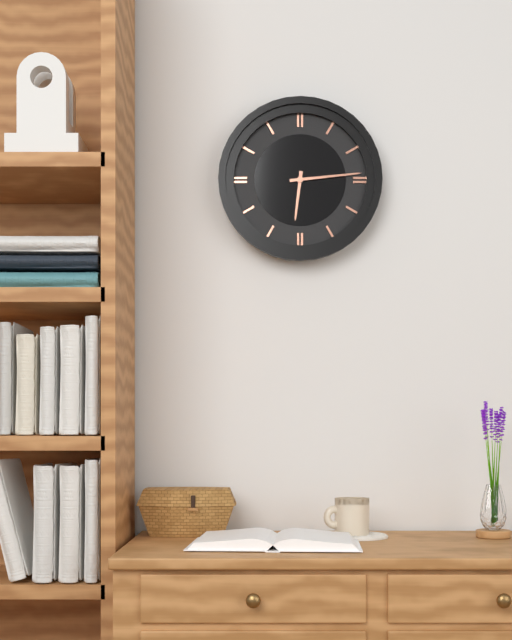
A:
6:14
